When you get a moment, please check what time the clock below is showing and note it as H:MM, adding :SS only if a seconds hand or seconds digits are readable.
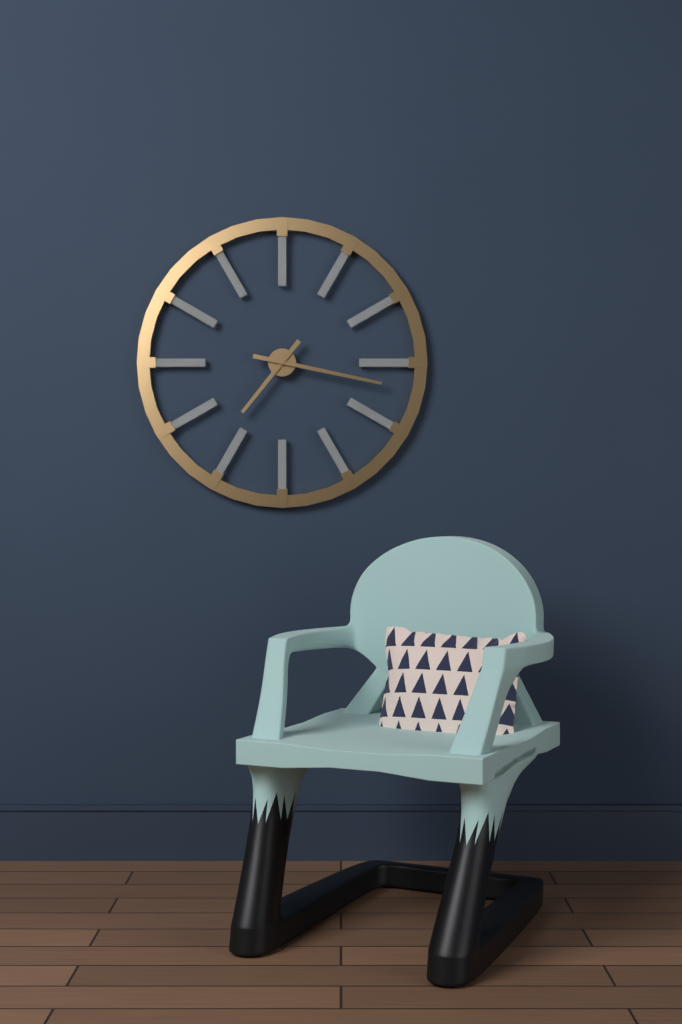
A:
7:17
